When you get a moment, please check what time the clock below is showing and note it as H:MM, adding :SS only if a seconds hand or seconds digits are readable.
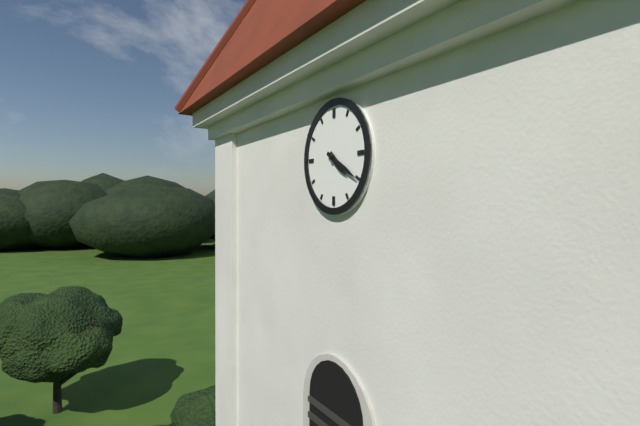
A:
4:20
